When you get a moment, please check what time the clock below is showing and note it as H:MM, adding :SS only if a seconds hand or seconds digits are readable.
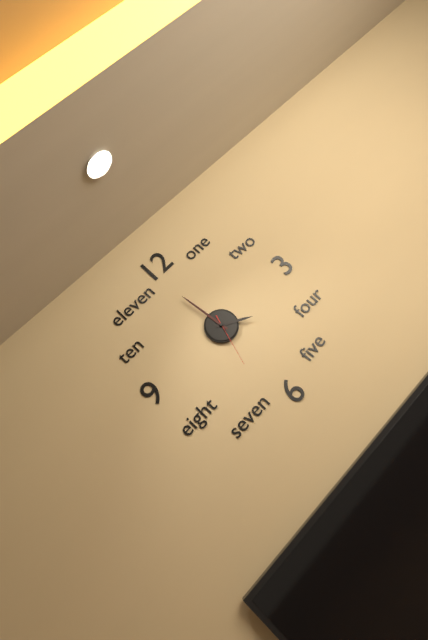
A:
3:59:33
